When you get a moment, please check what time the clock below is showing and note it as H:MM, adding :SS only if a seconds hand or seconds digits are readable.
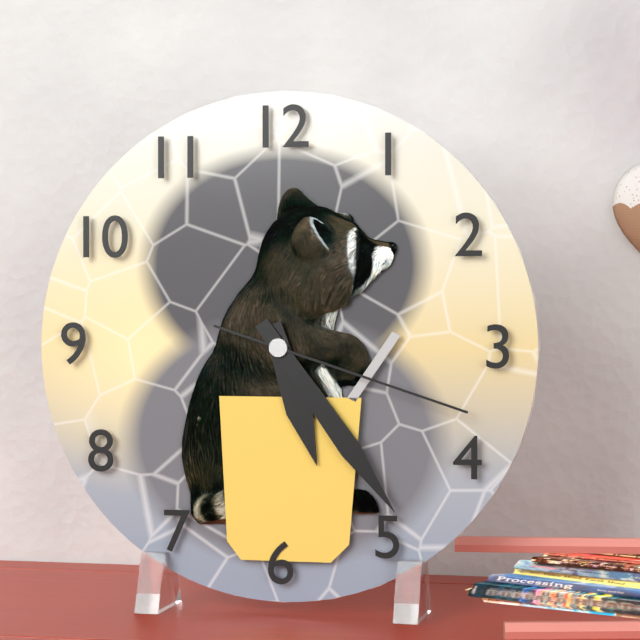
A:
5:24:18
